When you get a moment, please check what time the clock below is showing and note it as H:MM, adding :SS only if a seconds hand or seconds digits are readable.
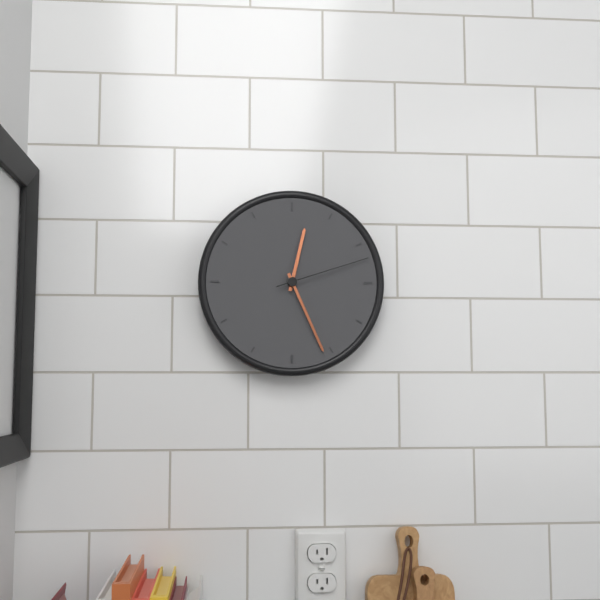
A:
12:26:12
